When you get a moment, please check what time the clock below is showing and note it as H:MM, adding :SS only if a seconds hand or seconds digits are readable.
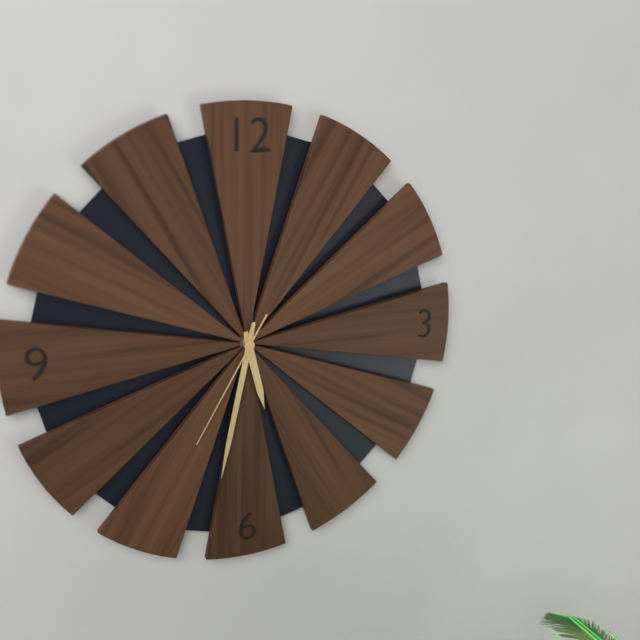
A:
5:32:35
